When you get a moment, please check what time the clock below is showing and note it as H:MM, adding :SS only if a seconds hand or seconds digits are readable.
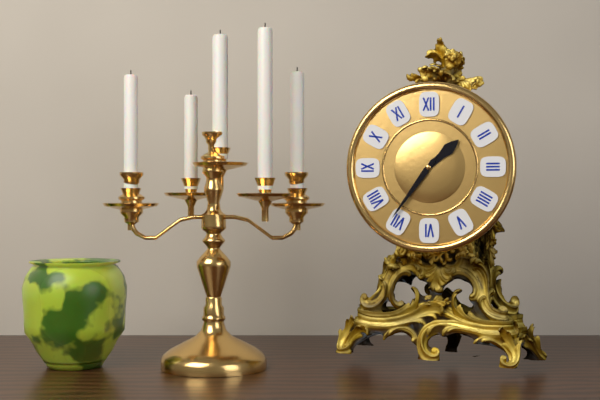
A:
1:36
